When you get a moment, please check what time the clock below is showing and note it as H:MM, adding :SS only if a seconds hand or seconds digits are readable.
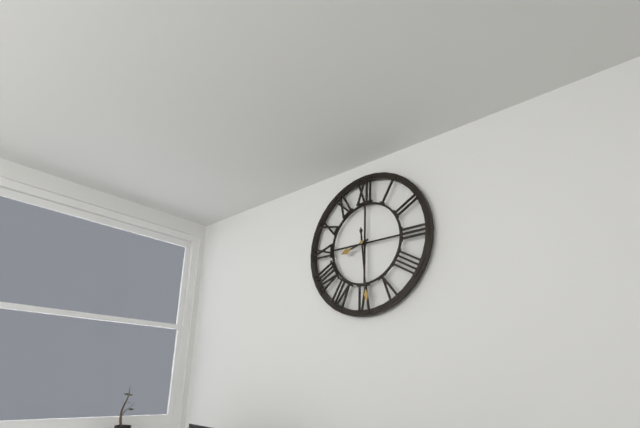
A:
8:29
